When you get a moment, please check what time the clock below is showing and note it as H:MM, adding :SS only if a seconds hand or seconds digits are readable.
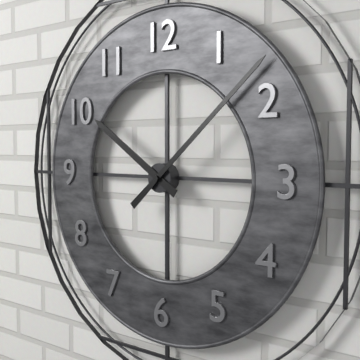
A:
10:08
